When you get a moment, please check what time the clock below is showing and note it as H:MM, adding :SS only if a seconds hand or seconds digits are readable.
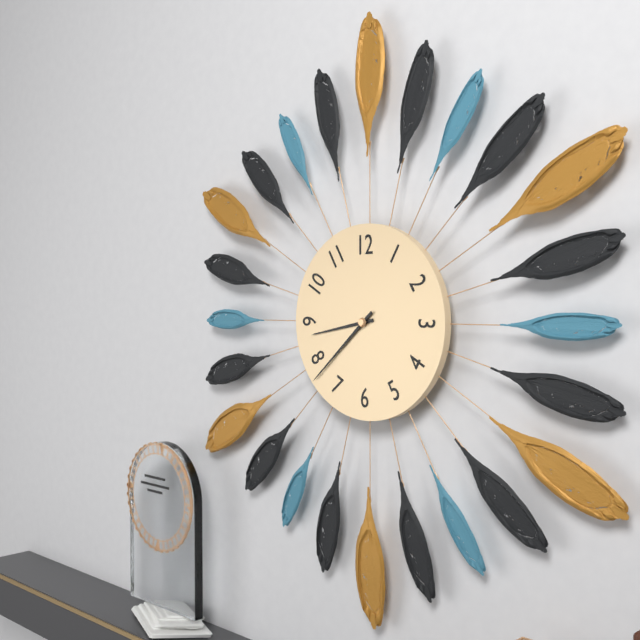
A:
8:38
